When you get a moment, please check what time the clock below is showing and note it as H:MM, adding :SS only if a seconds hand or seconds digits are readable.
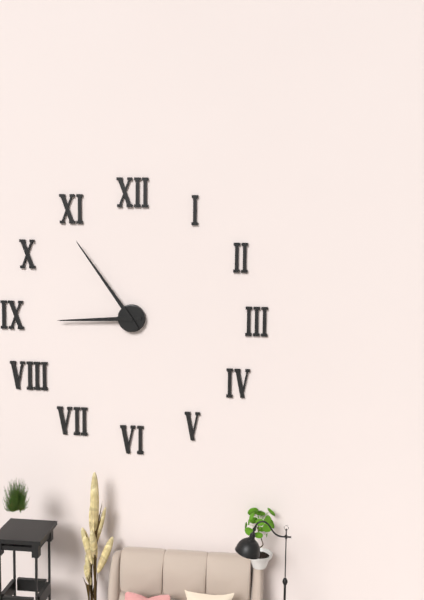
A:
8:54
